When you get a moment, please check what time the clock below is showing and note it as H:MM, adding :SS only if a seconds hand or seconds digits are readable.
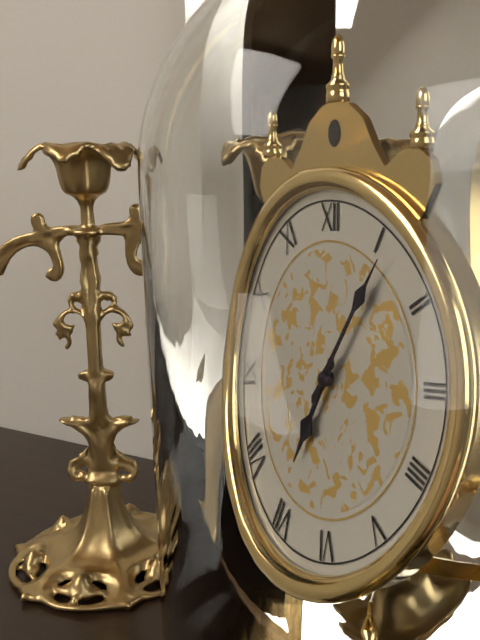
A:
7:06
